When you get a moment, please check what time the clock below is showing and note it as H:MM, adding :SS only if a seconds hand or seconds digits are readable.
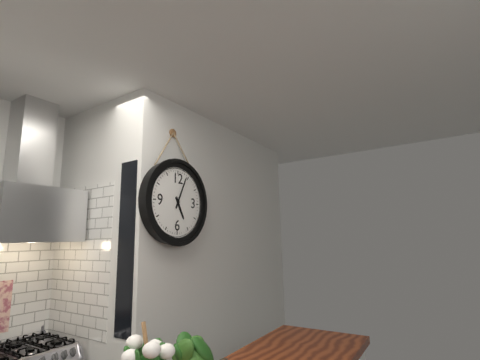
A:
5:04
